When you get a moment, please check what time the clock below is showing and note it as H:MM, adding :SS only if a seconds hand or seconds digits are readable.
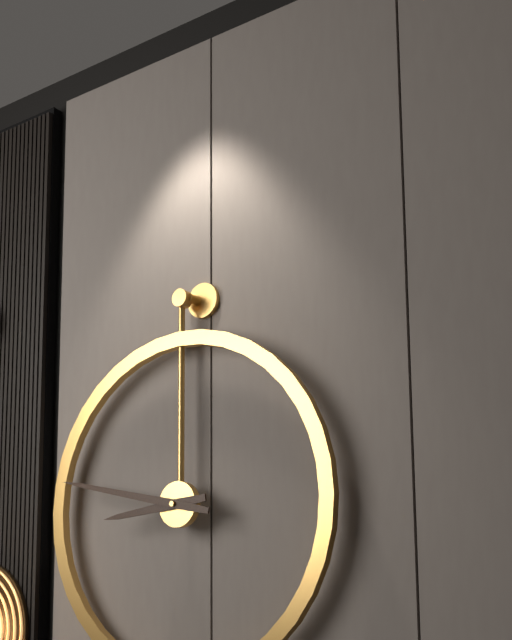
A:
8:47
